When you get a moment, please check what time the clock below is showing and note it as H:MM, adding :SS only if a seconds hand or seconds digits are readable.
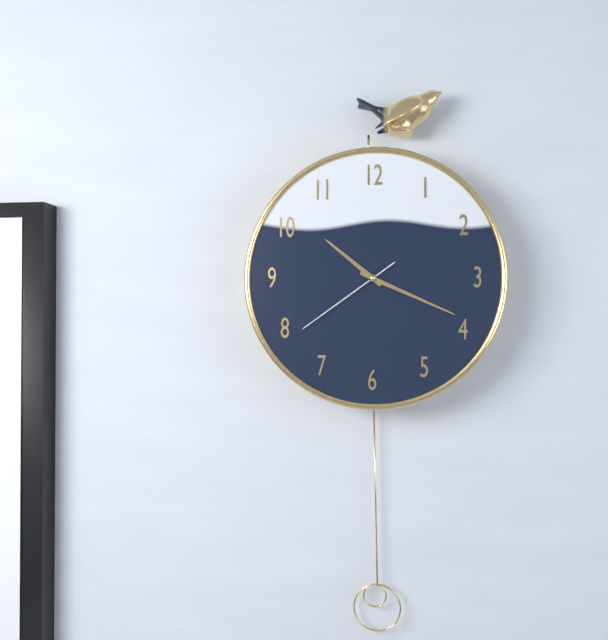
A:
10:19:39
